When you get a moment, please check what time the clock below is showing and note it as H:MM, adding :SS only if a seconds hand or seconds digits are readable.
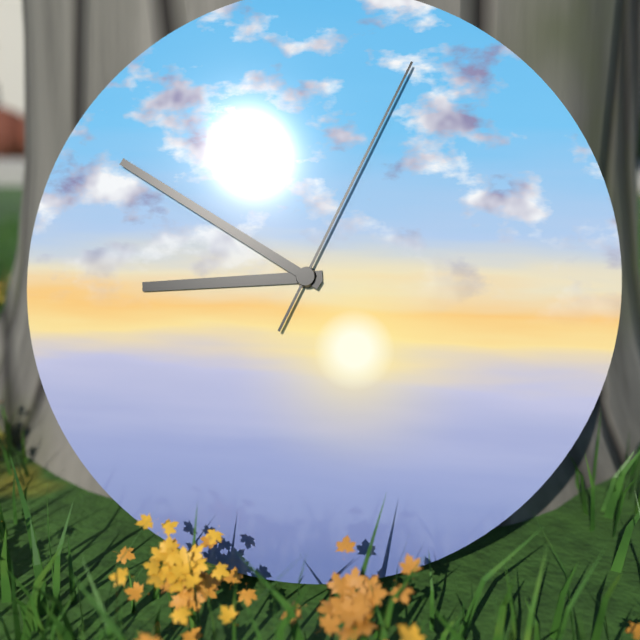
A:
8:50:04
